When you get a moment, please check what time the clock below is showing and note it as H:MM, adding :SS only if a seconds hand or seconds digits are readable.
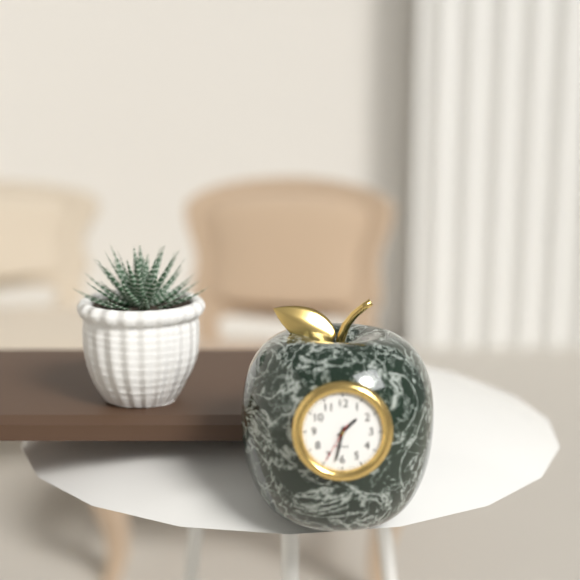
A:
1:32
